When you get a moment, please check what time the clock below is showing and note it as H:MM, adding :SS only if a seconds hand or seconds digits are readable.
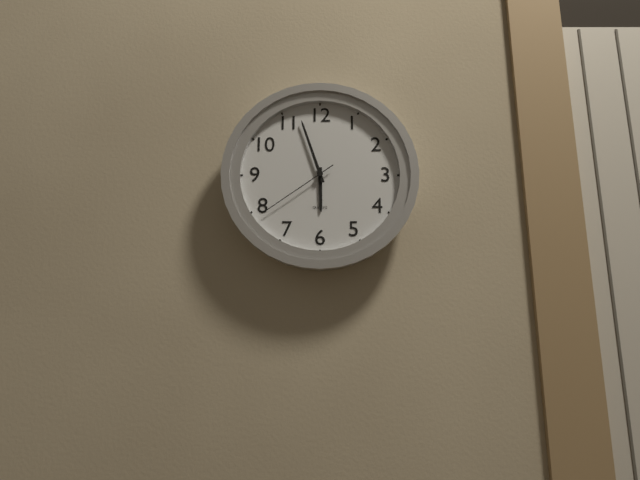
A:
5:57:39
